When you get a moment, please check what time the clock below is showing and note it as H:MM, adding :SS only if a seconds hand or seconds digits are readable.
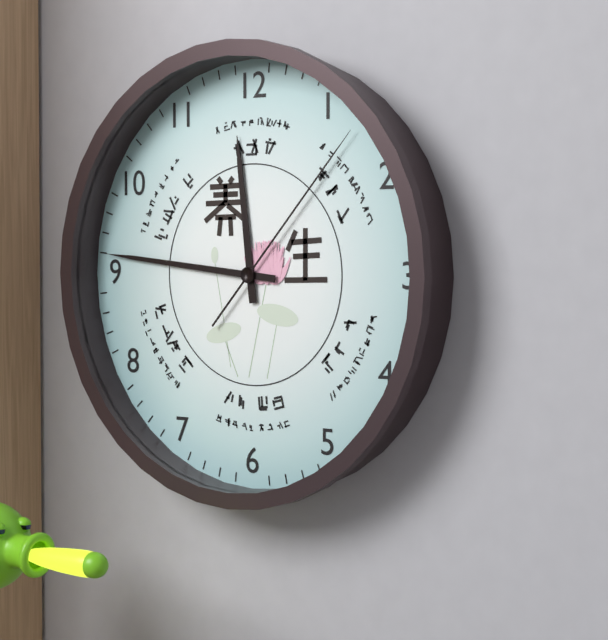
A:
11:46:07
